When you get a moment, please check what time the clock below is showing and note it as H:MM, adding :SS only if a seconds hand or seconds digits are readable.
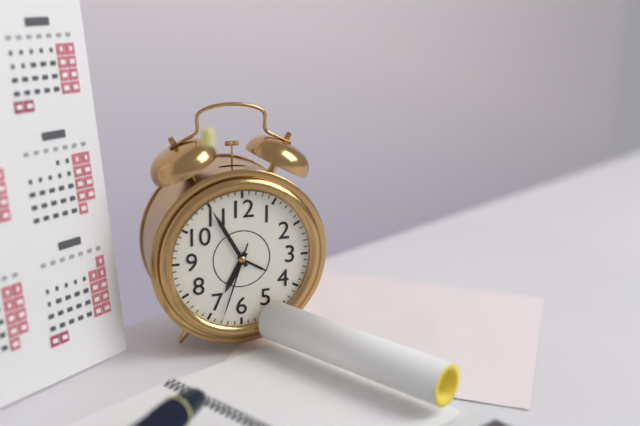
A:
6:55:33
